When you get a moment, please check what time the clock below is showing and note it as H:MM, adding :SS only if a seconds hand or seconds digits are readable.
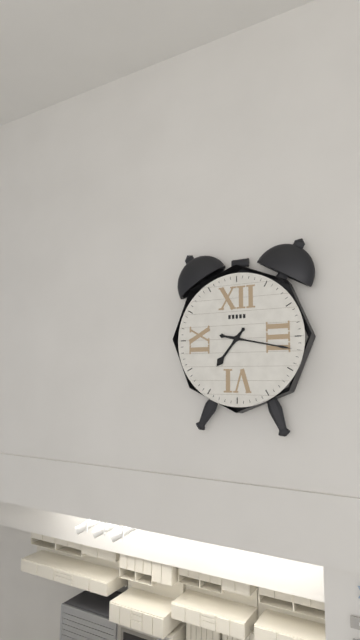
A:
7:17
